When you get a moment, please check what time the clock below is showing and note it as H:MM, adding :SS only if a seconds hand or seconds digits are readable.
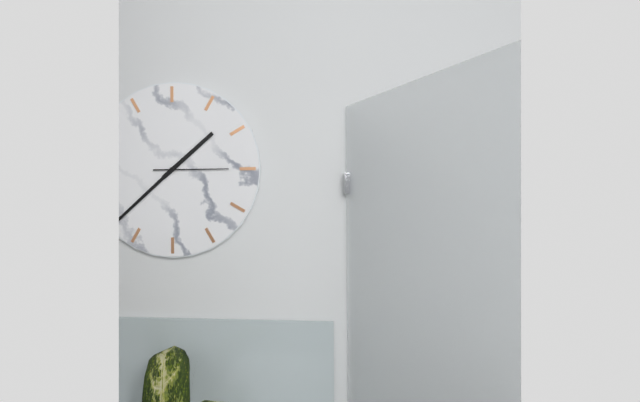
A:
1:38:15
